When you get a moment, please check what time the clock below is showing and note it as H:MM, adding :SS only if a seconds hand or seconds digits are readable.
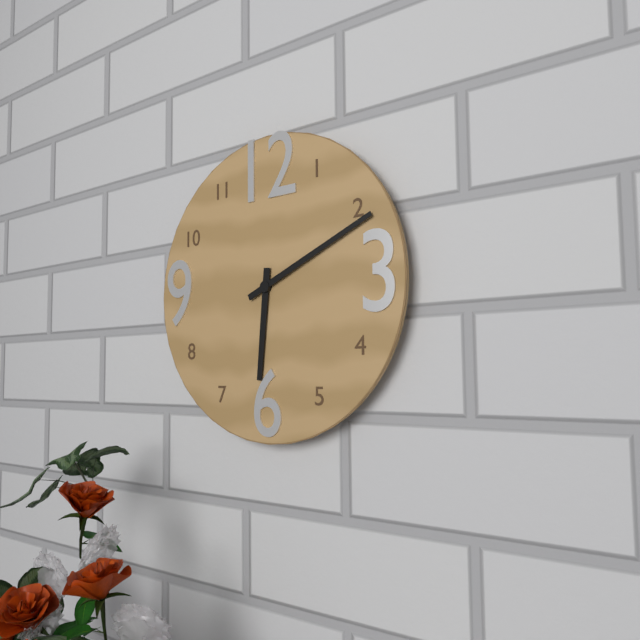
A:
6:11
